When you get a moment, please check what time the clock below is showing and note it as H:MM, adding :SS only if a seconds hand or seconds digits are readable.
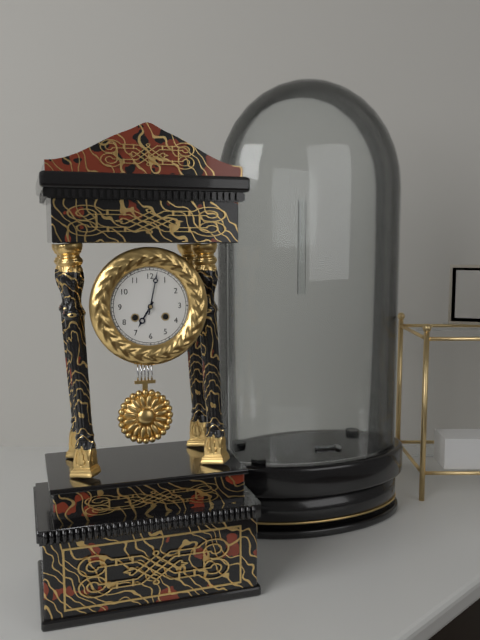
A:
7:02
